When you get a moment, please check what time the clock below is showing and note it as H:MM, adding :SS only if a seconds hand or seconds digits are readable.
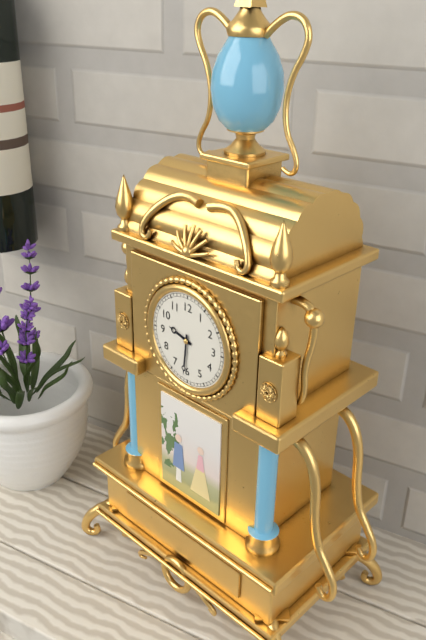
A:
9:31
